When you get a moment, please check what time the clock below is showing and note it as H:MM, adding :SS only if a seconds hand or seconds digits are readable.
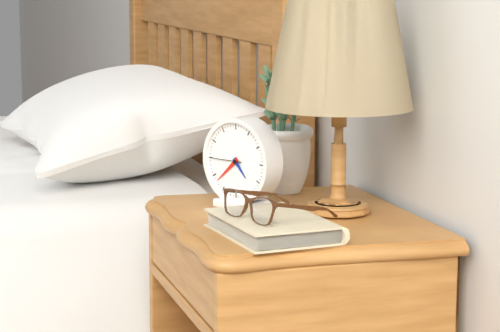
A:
4:38
